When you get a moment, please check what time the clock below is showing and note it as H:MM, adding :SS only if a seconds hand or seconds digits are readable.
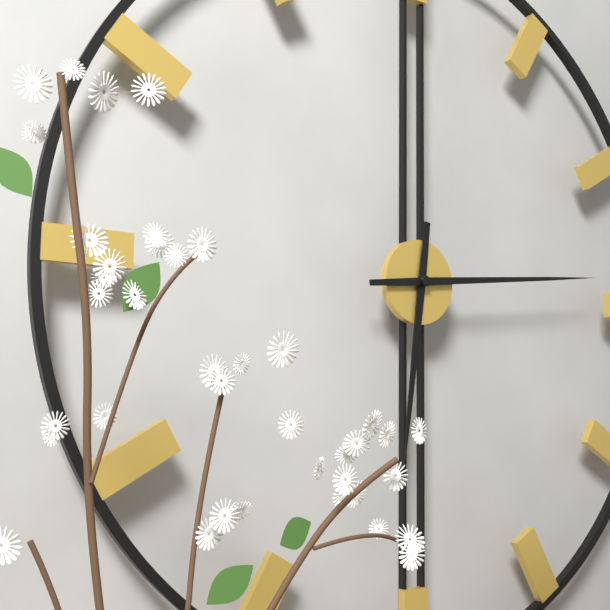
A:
6:14
